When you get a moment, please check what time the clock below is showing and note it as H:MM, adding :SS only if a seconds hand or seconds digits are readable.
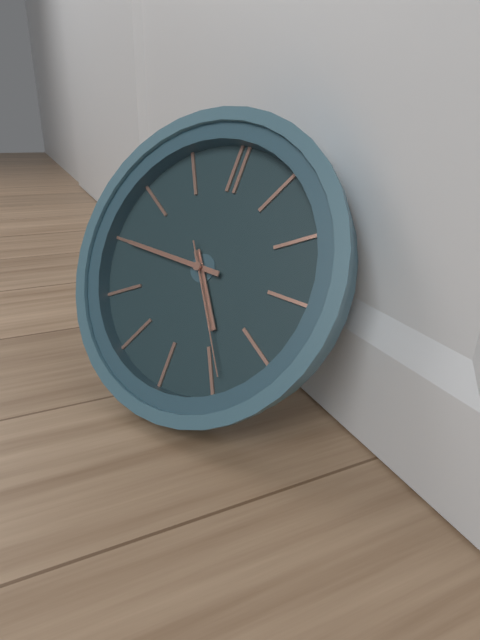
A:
4:45:24
